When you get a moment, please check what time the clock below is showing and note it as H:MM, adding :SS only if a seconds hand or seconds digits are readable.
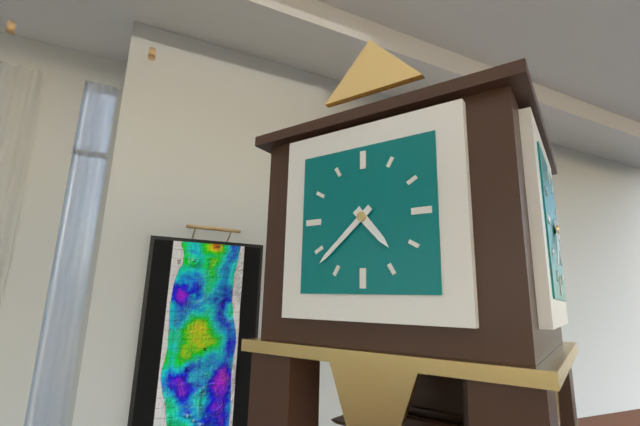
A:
4:38
